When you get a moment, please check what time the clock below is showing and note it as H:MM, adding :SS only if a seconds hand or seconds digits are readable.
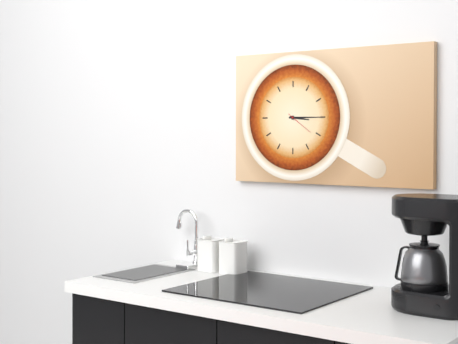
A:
3:15
